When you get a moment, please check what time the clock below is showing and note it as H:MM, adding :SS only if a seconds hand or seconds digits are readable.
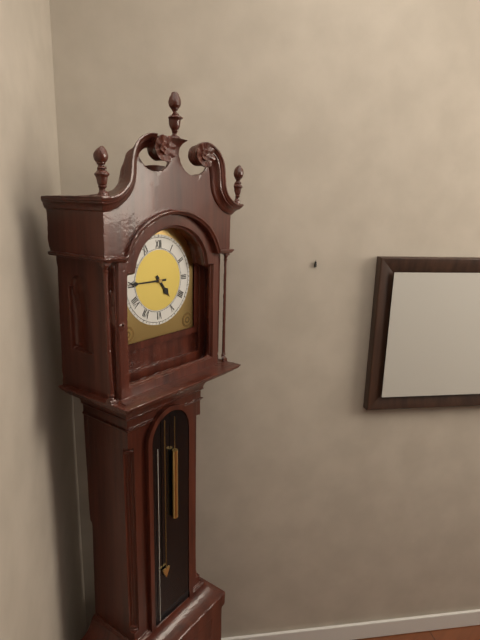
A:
4:45
